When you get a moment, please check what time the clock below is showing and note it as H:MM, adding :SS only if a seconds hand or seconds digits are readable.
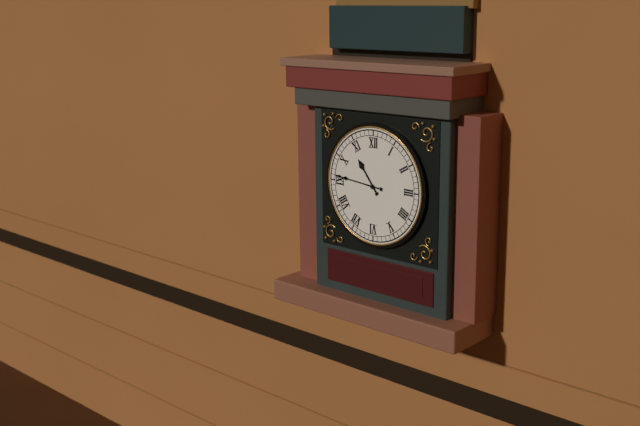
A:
10:46
